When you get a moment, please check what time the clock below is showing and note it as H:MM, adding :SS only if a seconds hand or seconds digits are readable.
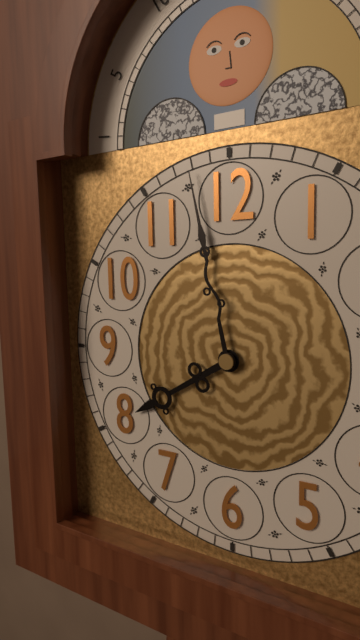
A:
7:58
